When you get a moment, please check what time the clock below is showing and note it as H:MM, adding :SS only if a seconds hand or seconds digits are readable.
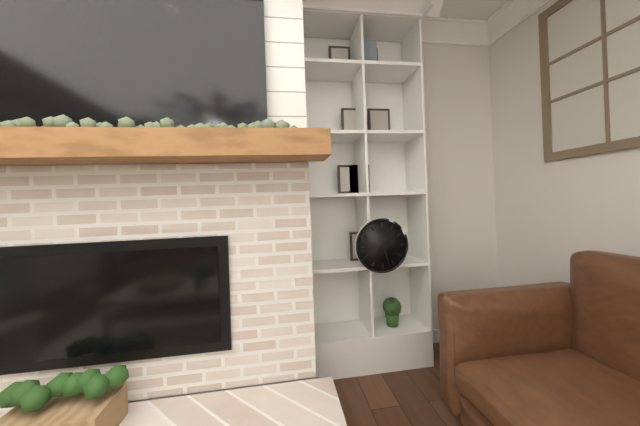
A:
1:27
